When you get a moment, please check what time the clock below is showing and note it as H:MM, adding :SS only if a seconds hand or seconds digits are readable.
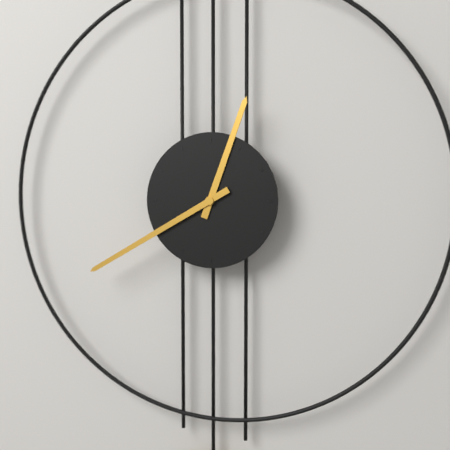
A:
12:40
